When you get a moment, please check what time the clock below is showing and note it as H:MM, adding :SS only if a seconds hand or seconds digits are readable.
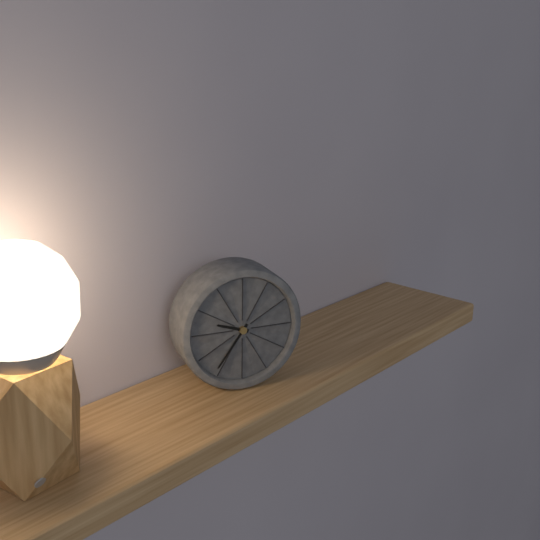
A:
9:36
